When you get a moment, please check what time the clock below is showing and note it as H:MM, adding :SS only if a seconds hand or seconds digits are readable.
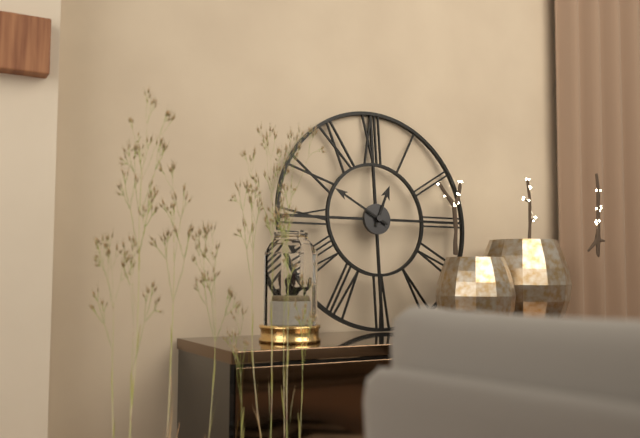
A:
12:50
